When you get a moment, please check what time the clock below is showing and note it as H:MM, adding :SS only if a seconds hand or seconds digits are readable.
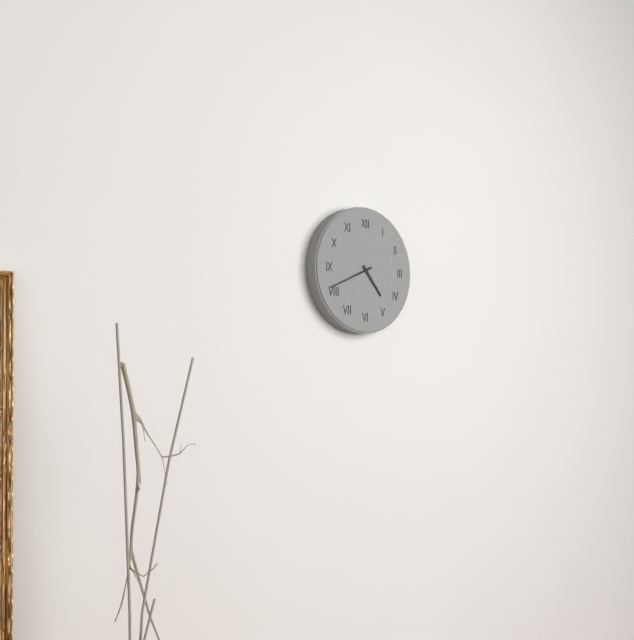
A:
4:41
